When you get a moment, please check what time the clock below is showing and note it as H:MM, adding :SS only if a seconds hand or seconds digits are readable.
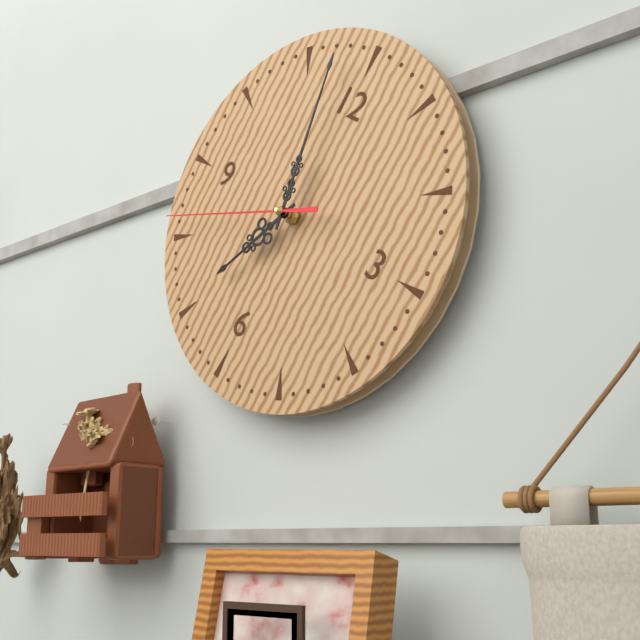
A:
6:58:41
